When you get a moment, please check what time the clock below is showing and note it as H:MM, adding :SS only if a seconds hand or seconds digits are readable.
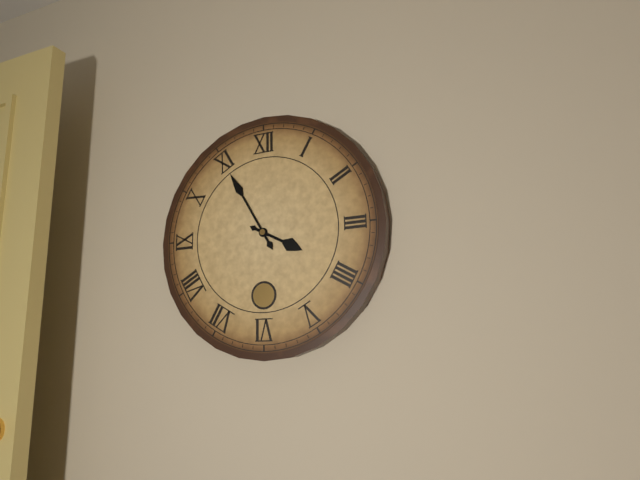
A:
3:55
